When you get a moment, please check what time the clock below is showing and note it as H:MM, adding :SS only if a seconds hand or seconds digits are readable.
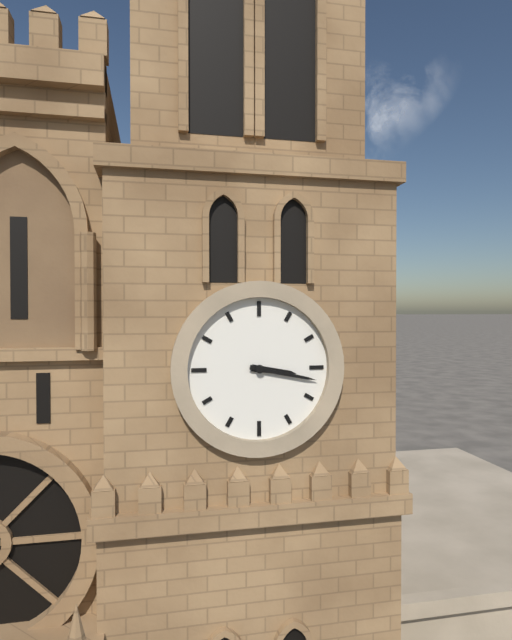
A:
3:17
